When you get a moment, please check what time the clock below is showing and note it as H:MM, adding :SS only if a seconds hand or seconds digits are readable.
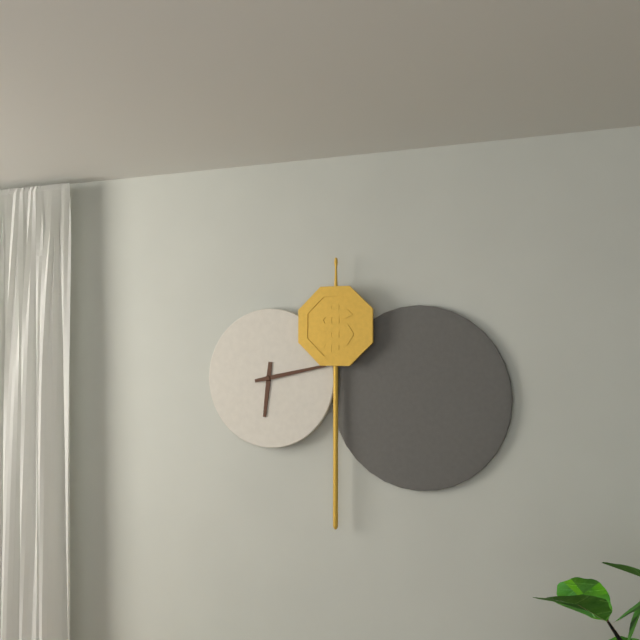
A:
6:13
